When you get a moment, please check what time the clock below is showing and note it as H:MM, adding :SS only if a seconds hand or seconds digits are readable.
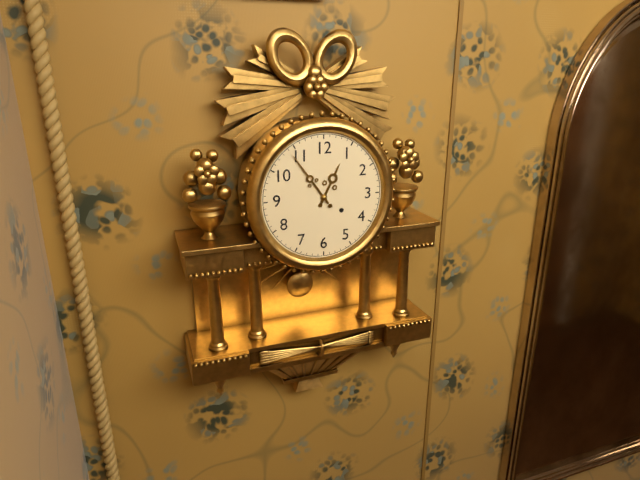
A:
12:54
